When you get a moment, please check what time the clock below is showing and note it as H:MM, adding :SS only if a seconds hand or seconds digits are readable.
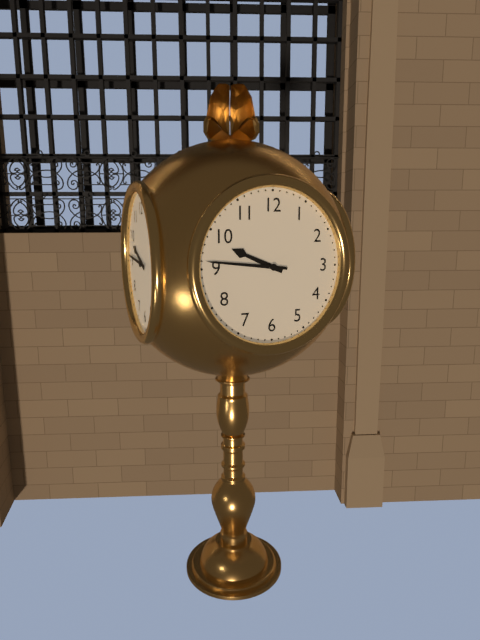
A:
9:46
